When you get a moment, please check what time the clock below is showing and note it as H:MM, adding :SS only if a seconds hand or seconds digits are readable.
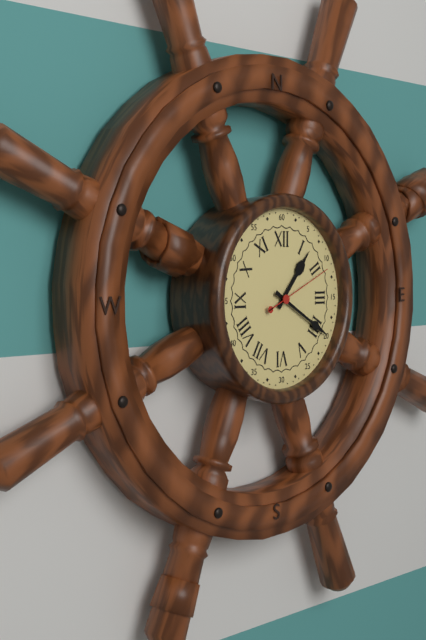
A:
1:20:11
